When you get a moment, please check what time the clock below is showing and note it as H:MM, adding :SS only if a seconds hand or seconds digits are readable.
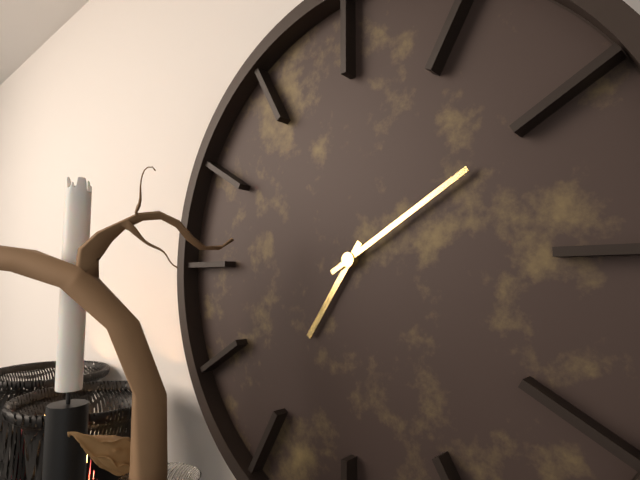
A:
7:10
